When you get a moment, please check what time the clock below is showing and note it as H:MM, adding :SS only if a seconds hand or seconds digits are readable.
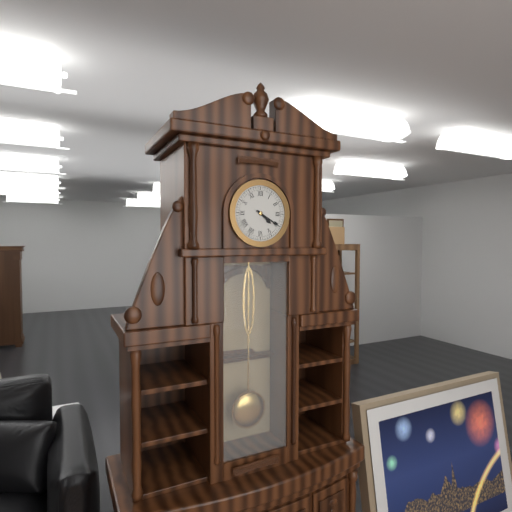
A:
4:20
